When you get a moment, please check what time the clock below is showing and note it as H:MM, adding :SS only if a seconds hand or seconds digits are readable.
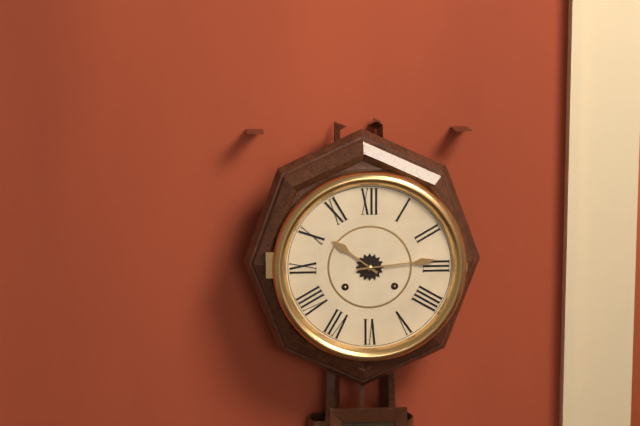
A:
10:14
